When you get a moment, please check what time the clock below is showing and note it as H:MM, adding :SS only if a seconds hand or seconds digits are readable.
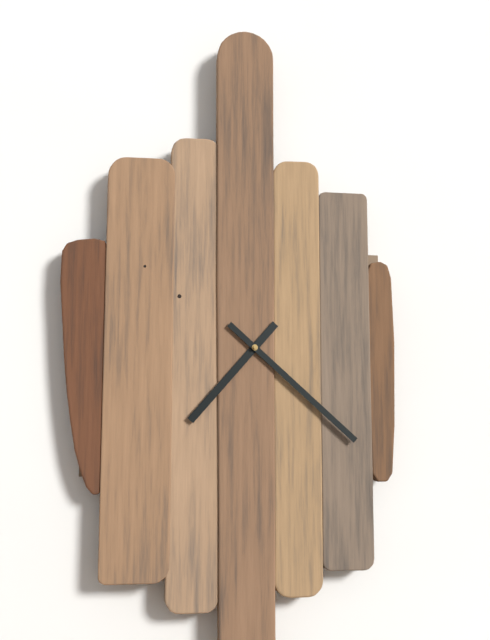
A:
7:22
